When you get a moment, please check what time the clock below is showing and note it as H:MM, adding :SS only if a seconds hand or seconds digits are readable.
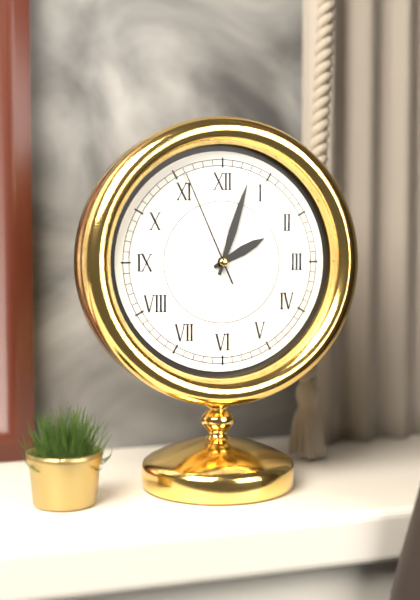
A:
2:03:56
